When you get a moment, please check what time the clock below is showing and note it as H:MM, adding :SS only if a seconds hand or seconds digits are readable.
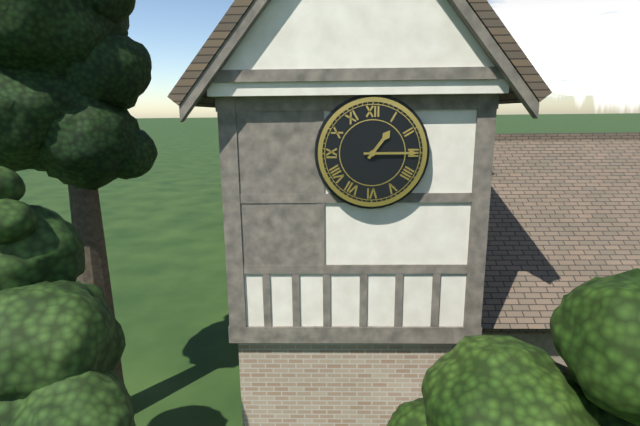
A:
1:15
